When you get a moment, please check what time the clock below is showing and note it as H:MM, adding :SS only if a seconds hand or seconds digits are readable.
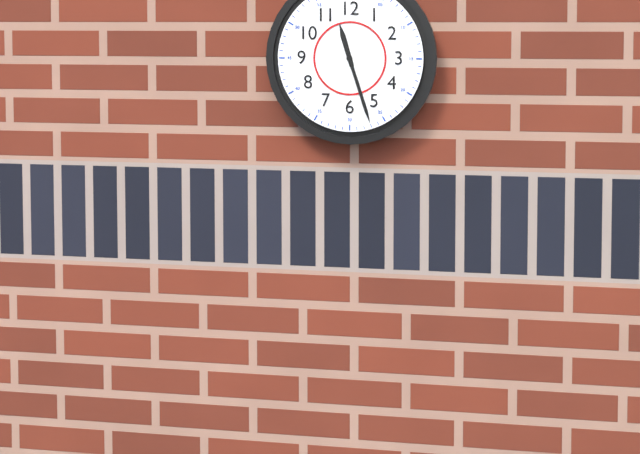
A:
11:27
